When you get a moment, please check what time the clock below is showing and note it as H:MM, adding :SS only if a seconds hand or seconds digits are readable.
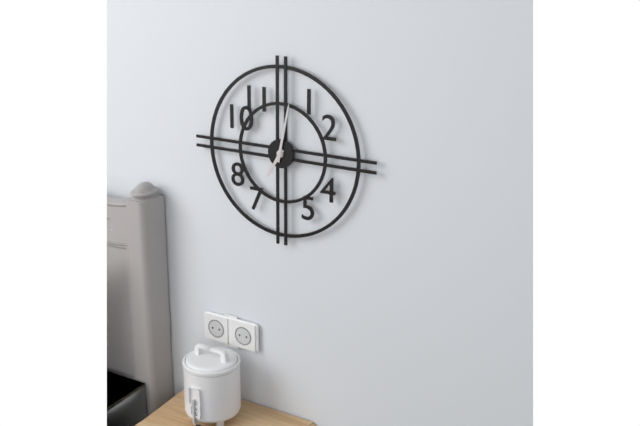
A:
7:02
